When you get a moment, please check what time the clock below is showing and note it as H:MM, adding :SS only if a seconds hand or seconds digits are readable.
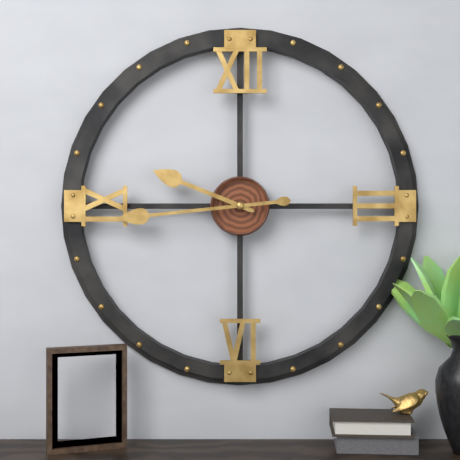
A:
9:44
